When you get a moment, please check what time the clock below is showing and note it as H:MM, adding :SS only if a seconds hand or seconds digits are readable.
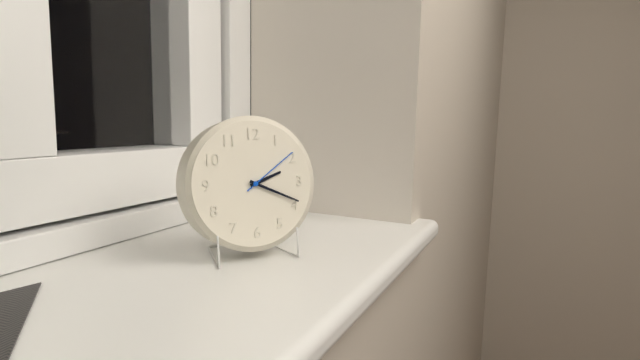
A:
2:19:09
